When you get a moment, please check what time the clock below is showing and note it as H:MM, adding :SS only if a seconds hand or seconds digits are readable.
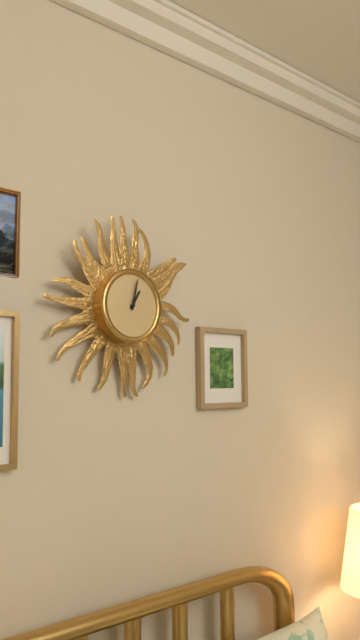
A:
1:02
